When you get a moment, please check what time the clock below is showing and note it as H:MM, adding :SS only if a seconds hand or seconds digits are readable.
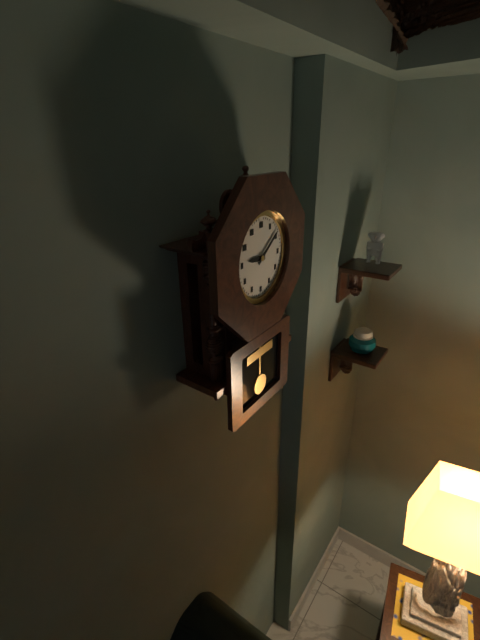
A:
9:09
